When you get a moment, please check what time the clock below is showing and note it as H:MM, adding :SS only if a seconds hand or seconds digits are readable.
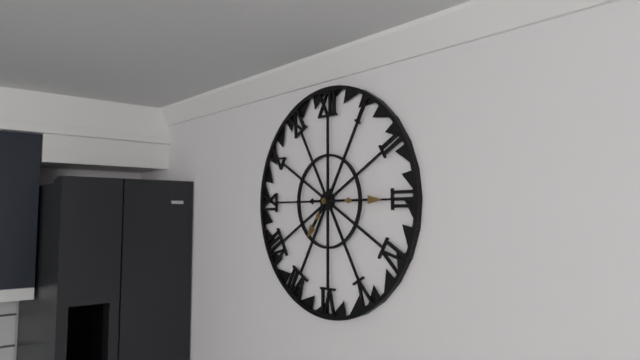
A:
7:15
